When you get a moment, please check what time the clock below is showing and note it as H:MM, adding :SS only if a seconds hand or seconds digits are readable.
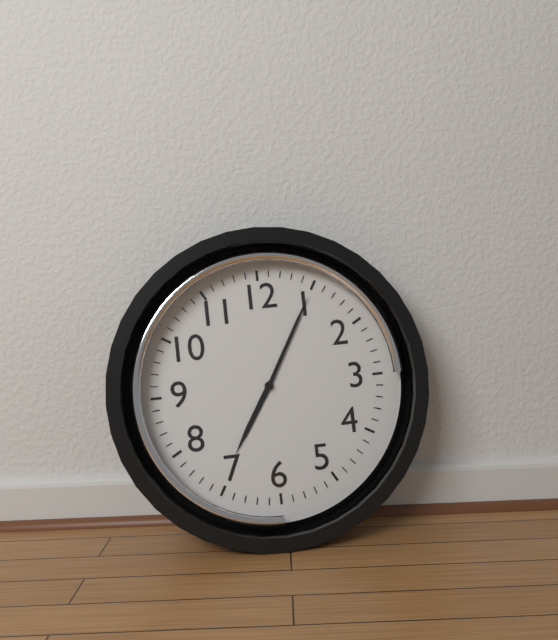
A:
7:05
